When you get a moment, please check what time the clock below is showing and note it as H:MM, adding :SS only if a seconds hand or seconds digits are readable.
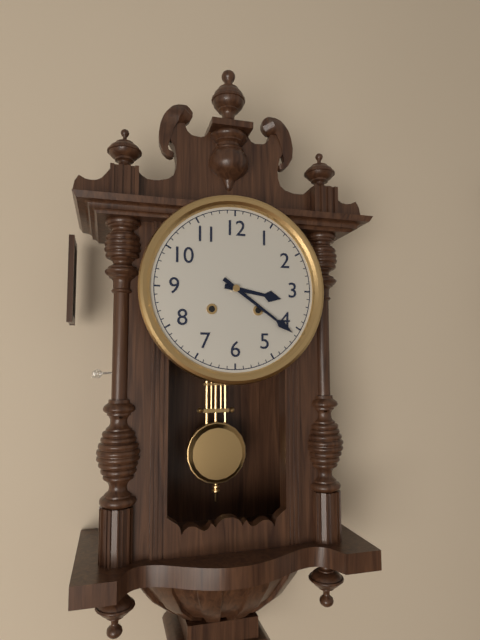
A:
3:21
